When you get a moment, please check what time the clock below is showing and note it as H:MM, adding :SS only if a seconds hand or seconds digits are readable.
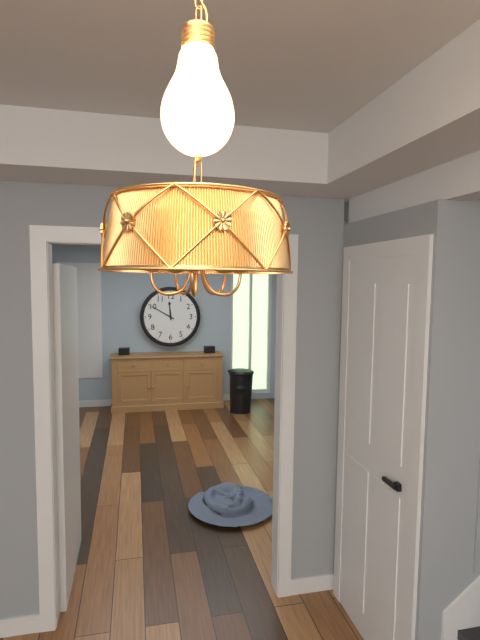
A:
11:50
